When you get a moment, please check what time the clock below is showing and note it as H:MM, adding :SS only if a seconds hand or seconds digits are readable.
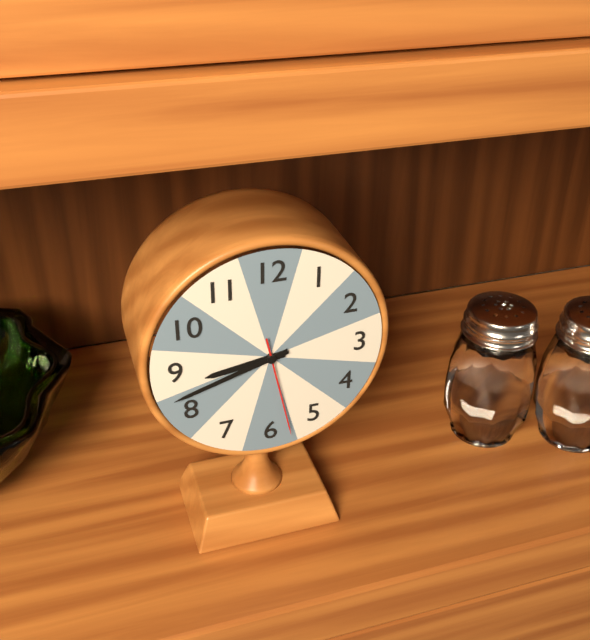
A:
8:42:28
